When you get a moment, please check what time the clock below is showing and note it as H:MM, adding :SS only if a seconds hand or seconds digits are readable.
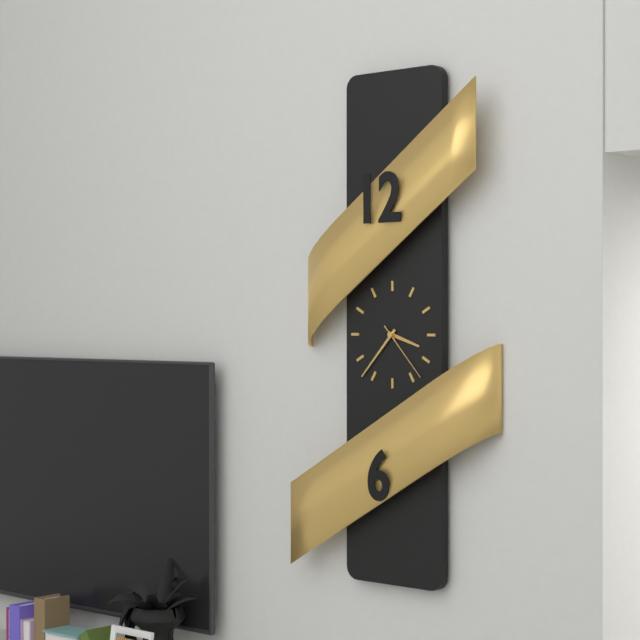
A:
3:37:23
